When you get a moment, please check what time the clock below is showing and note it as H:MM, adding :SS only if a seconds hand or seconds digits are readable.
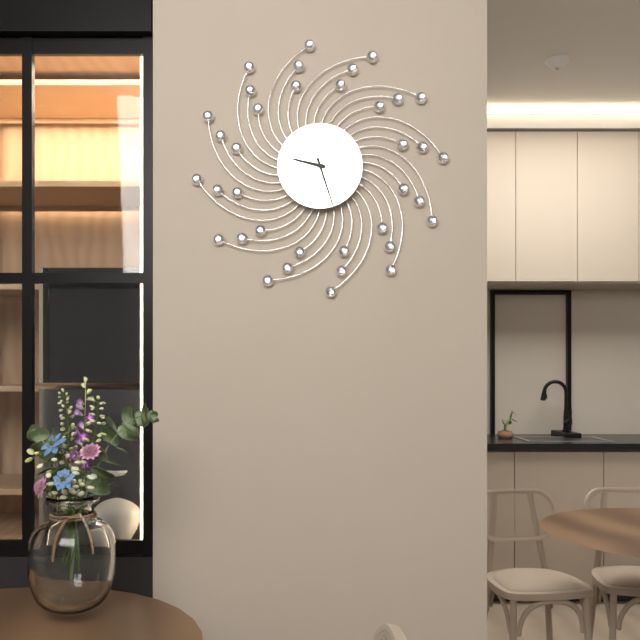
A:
9:27
